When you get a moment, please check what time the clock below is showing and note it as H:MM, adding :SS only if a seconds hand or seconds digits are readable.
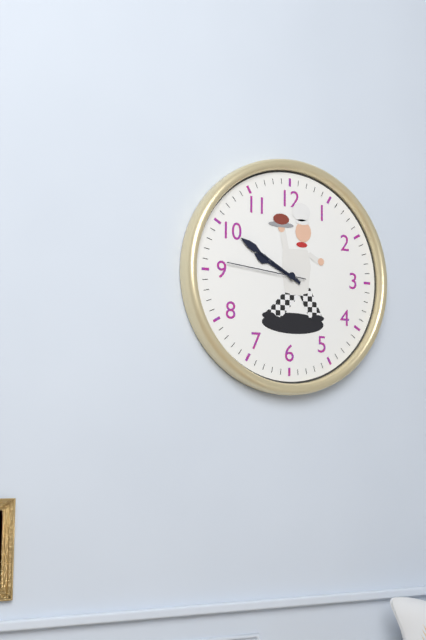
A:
9:50:46
